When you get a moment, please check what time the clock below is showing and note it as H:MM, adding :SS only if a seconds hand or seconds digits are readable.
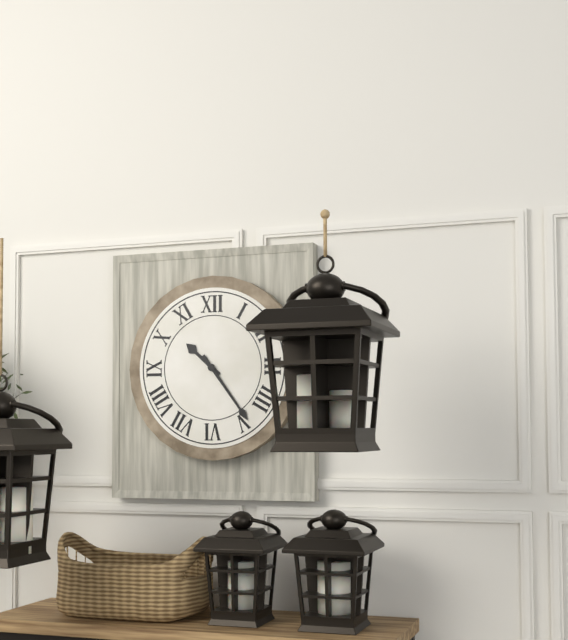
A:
10:24
